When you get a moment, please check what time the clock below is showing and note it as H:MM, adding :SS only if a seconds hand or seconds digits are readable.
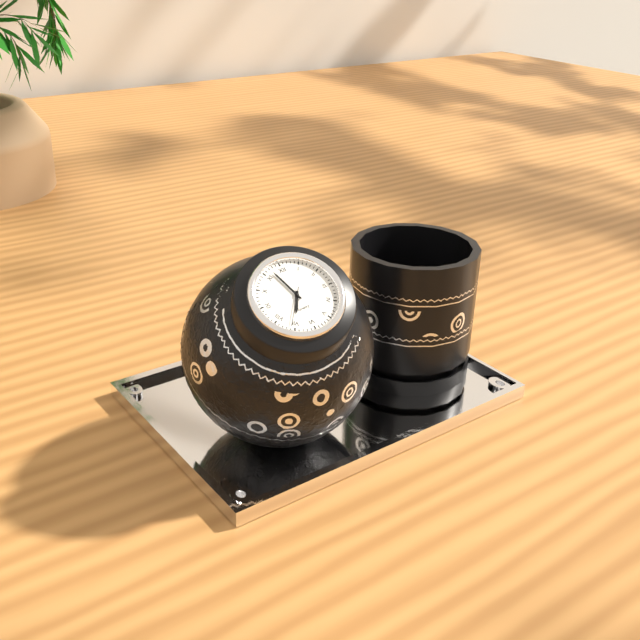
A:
6:57
